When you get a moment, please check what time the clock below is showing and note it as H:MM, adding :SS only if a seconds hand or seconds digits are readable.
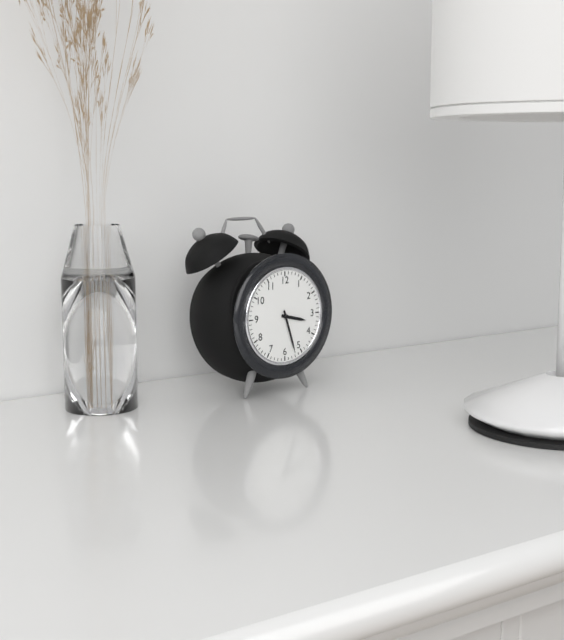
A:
3:27
